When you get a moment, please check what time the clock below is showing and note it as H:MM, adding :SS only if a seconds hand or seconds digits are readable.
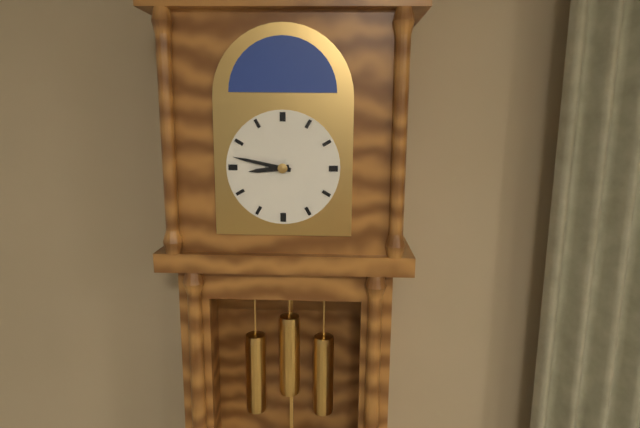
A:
8:47
